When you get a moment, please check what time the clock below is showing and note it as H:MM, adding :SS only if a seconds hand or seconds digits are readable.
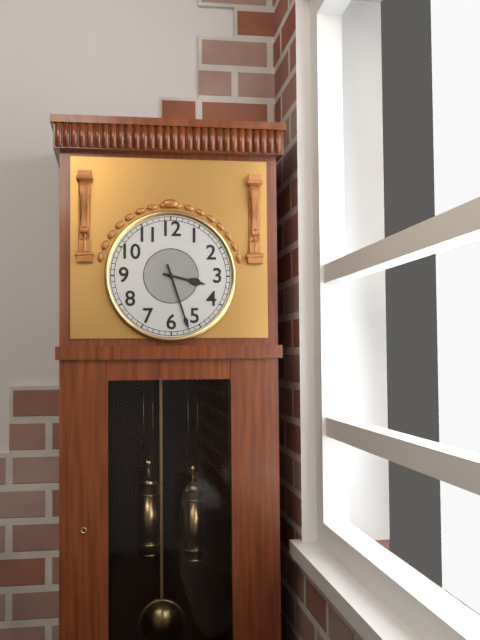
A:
3:27
